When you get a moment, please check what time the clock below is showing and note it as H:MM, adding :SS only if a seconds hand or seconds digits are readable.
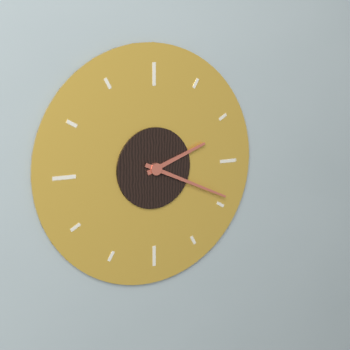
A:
2:19
